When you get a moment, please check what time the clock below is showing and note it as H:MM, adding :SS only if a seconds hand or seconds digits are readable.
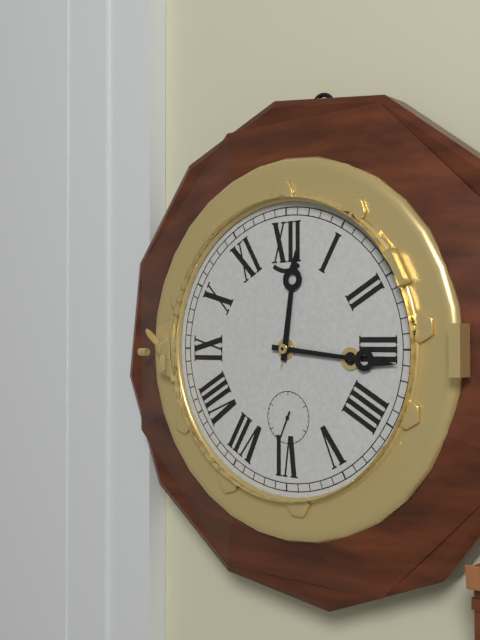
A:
12:16:34
